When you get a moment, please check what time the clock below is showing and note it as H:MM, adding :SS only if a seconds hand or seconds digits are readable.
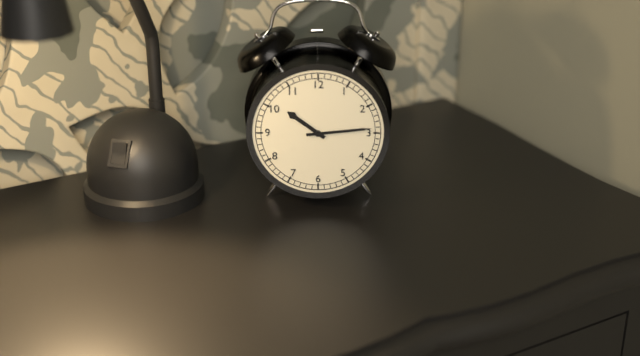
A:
10:14
